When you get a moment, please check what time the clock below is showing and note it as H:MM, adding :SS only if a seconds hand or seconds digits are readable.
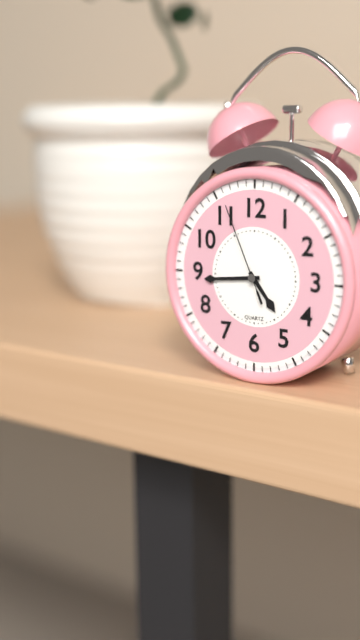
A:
4:44:56
